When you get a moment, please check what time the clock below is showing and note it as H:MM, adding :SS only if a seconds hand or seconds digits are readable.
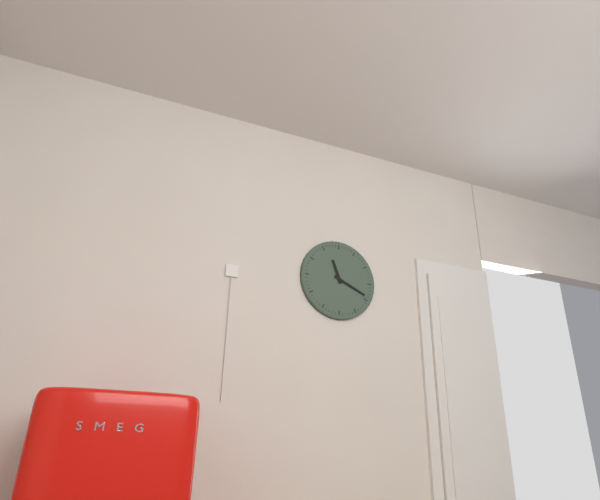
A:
11:19
